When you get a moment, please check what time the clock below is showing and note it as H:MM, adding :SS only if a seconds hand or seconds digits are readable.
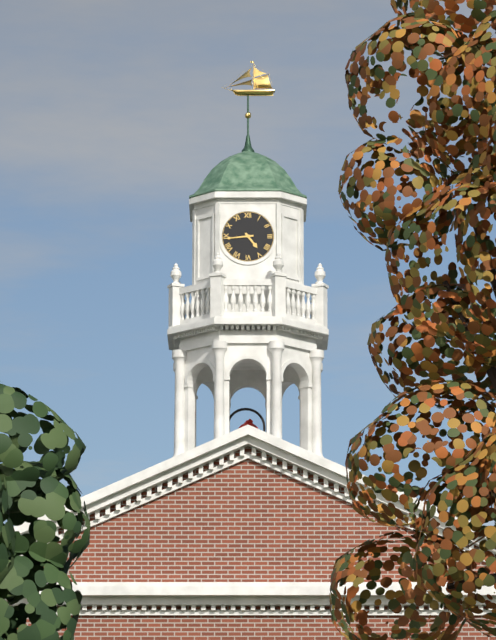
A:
4:44
